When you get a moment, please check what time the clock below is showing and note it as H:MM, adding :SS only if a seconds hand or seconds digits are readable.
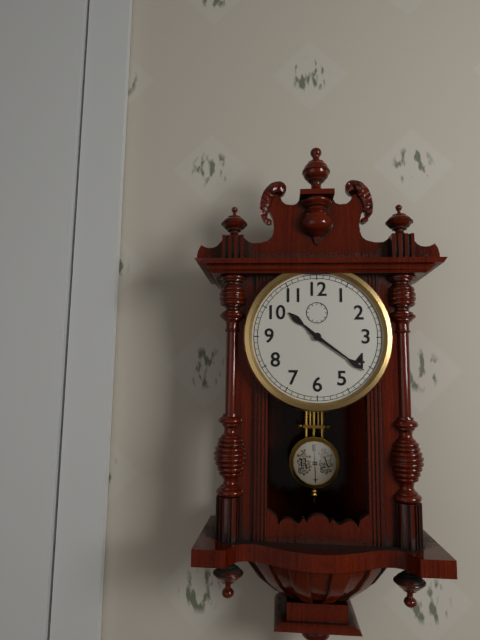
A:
10:21
